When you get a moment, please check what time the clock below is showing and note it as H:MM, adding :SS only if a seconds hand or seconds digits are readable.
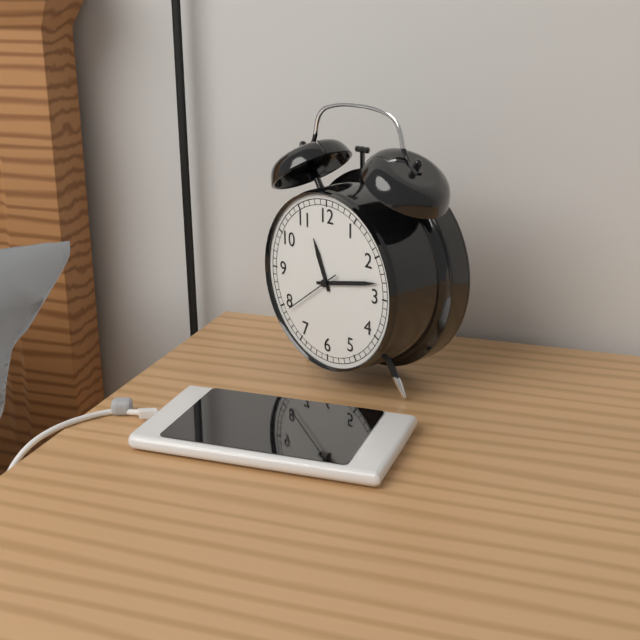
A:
11:13:39
